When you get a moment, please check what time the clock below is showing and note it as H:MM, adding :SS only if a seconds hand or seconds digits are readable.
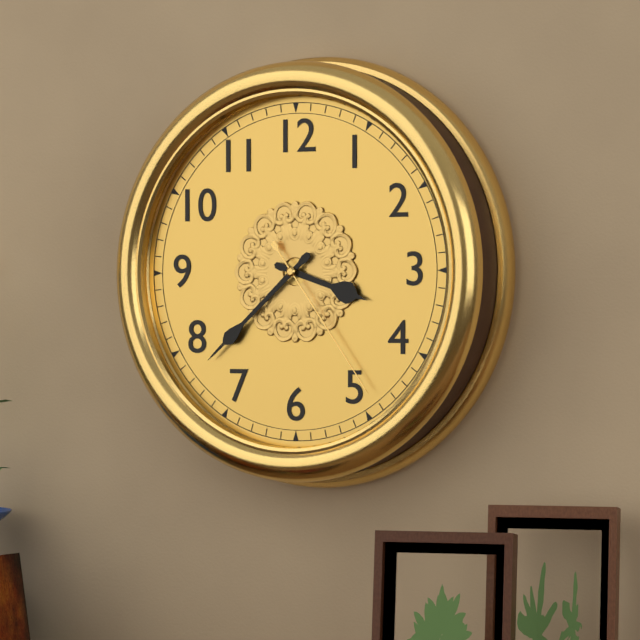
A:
3:38:24
